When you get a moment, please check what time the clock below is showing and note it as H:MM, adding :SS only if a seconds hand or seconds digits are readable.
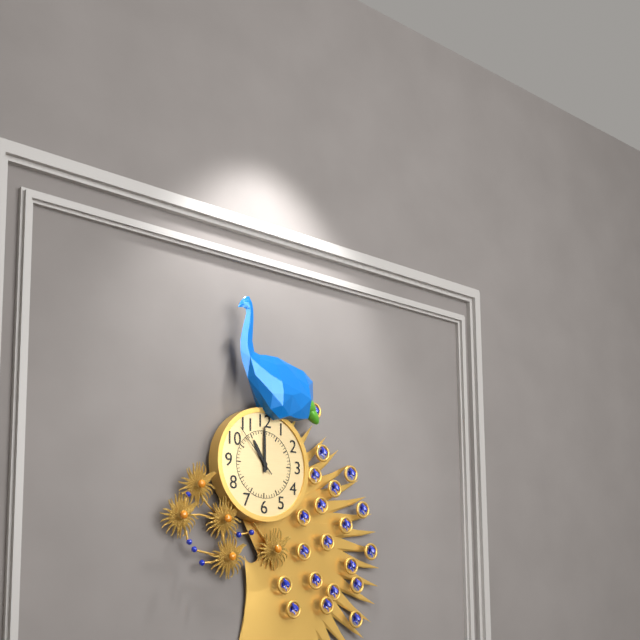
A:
11:00:53
